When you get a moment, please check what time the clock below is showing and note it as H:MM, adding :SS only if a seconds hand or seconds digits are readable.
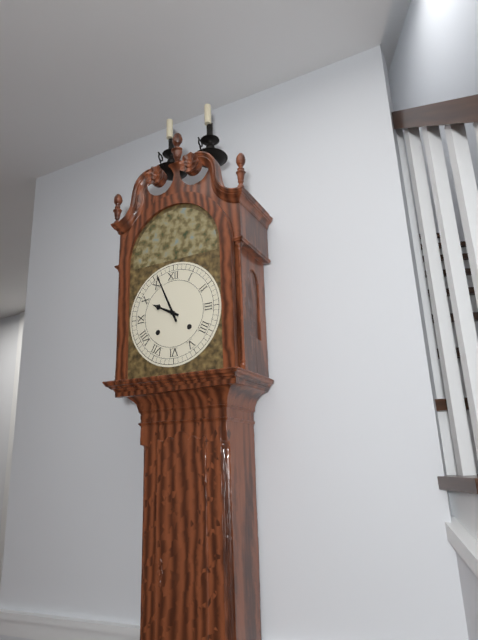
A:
9:56
